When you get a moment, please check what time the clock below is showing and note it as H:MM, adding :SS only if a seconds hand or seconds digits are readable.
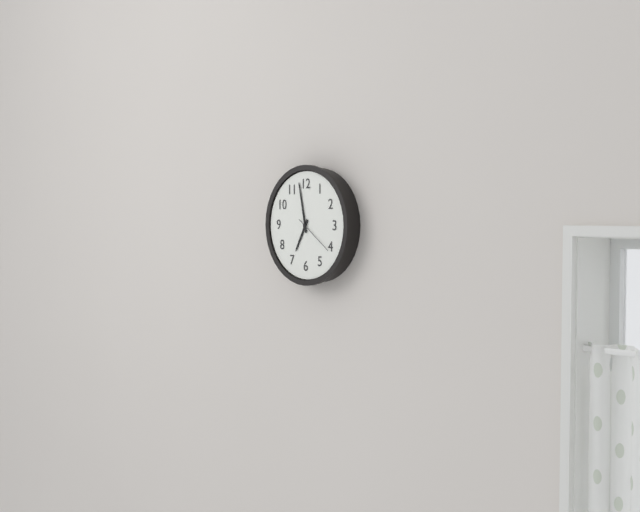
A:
6:58
